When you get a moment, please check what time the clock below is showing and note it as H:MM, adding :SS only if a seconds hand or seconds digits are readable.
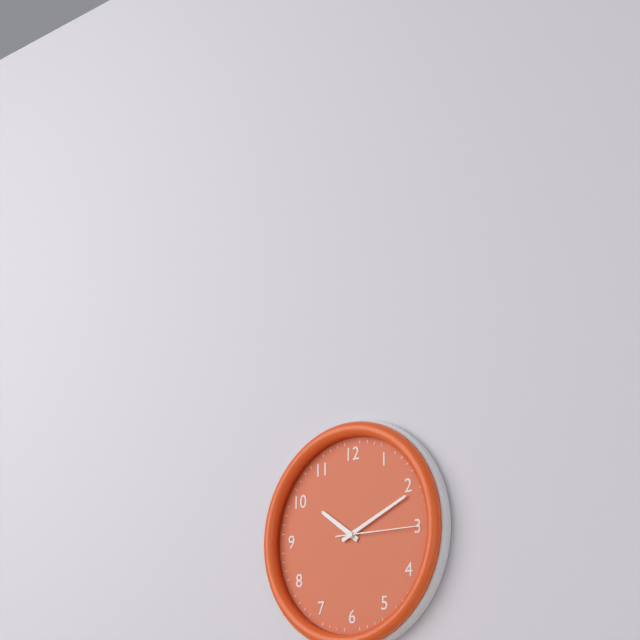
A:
10:11:15
